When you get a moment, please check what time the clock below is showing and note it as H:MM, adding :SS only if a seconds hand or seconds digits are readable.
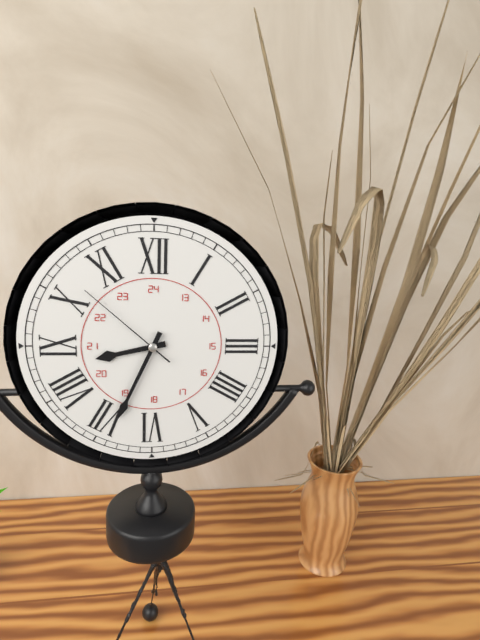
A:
8:34:52
